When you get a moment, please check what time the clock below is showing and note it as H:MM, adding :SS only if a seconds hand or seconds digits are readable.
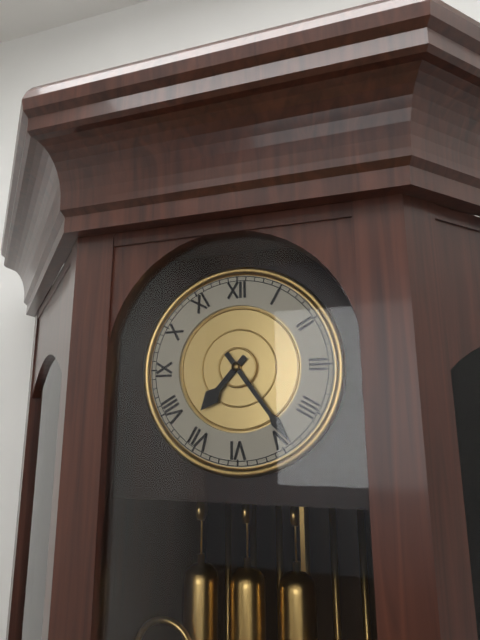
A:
7:24
